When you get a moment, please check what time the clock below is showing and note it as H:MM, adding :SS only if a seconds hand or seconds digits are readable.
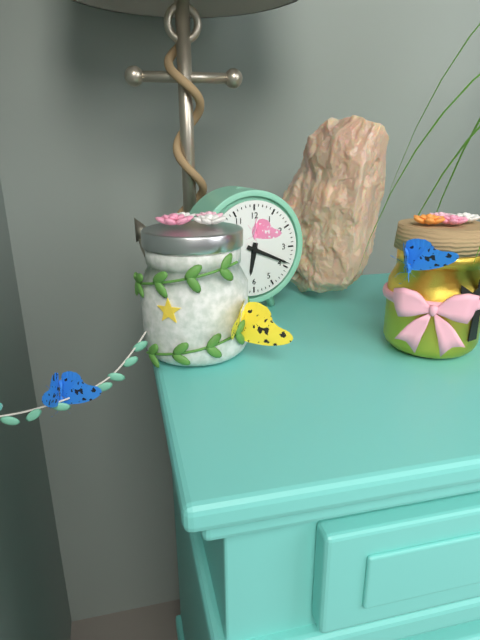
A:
6:19
